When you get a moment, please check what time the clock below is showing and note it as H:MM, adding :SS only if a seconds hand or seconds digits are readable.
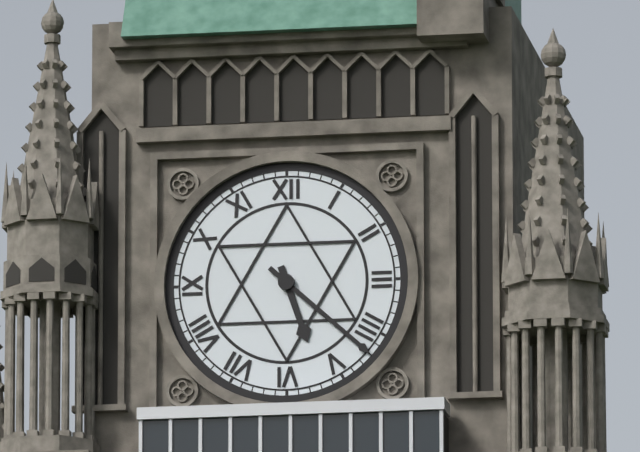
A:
5:22
